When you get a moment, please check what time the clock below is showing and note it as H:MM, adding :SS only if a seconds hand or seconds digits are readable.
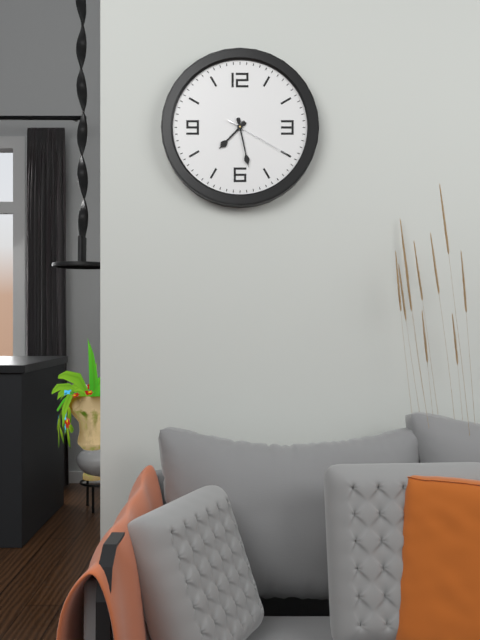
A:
7:28:20
